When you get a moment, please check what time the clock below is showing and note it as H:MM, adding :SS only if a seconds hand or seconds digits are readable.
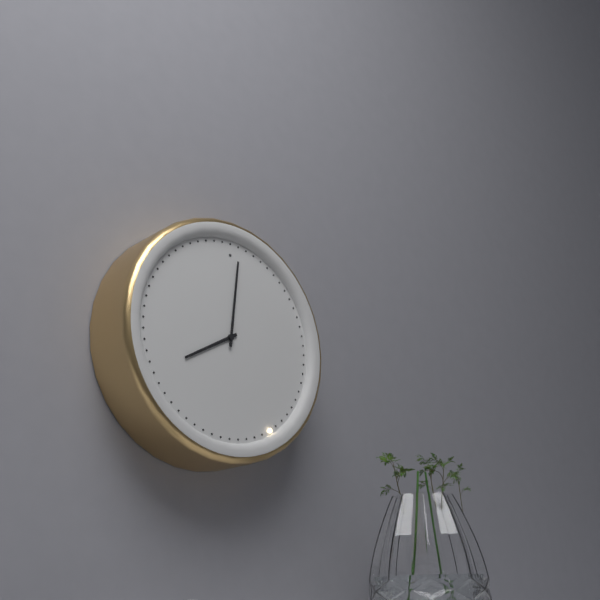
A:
8:01
